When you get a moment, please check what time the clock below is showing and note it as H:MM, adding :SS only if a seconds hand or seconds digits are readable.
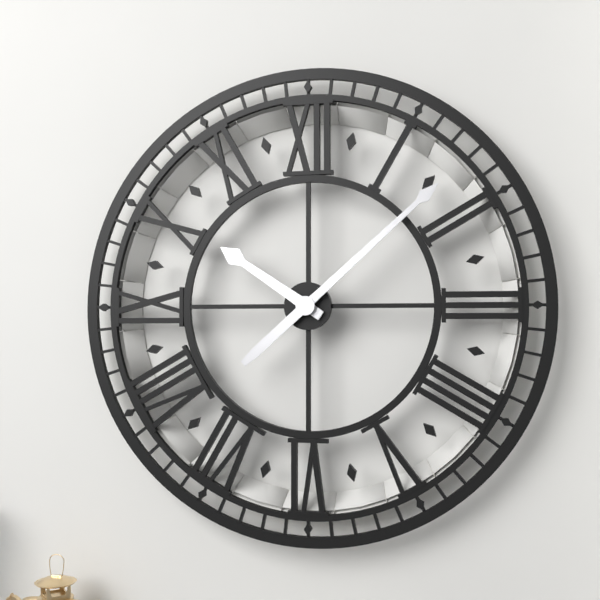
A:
10:08
